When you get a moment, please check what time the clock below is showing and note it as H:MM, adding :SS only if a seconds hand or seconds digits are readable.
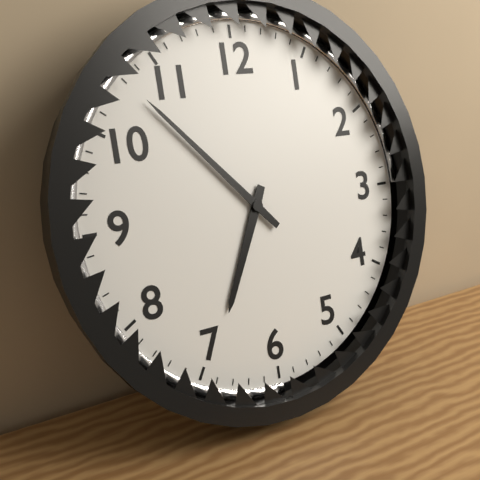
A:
6:53
